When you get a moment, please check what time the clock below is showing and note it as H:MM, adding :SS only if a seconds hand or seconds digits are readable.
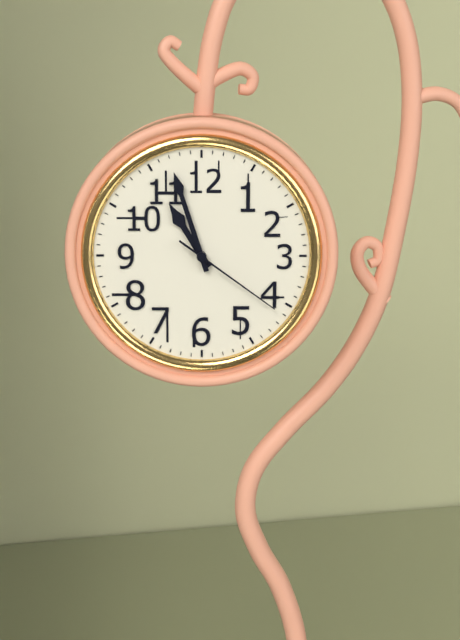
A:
10:57:21
